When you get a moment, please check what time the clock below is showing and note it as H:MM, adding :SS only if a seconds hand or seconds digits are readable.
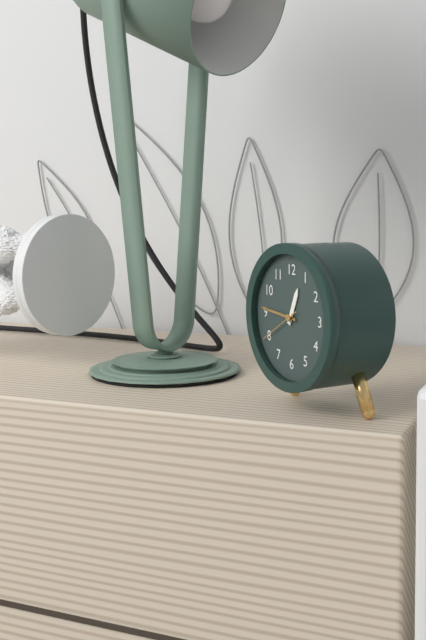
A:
12:46
